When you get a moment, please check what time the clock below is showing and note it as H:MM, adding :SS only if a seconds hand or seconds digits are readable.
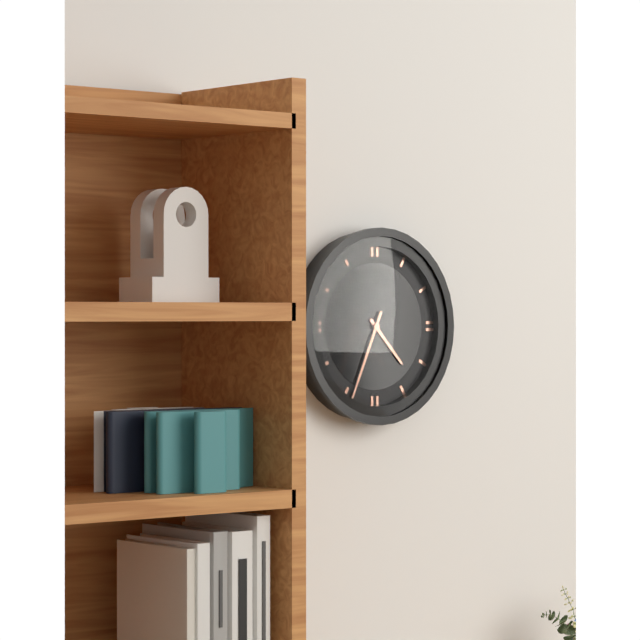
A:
4:34
